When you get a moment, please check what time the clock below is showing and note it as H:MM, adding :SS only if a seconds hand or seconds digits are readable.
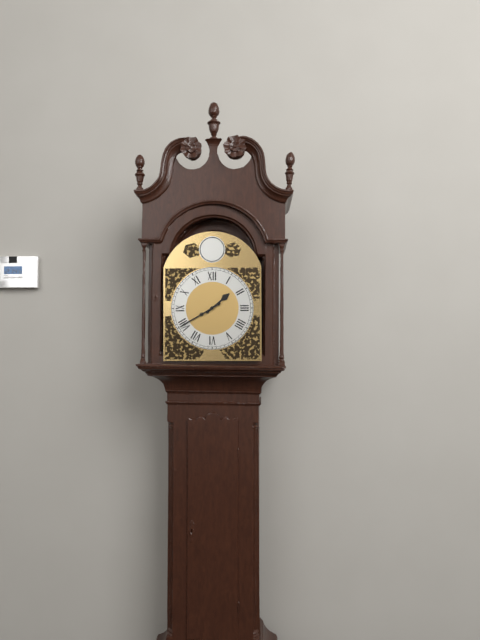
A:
1:40
